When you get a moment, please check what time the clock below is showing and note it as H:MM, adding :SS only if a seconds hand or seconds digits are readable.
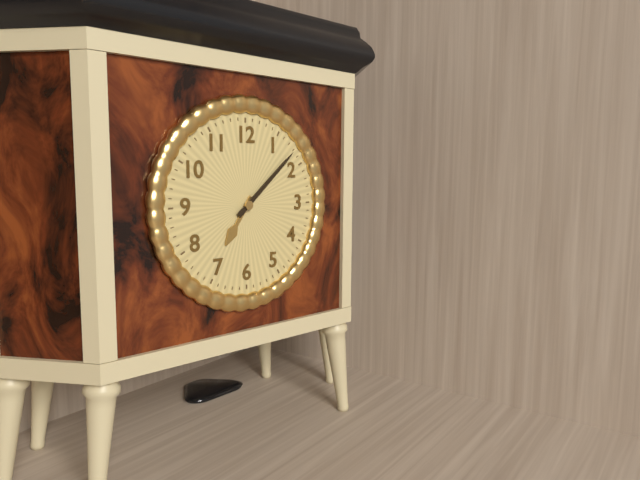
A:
7:08
